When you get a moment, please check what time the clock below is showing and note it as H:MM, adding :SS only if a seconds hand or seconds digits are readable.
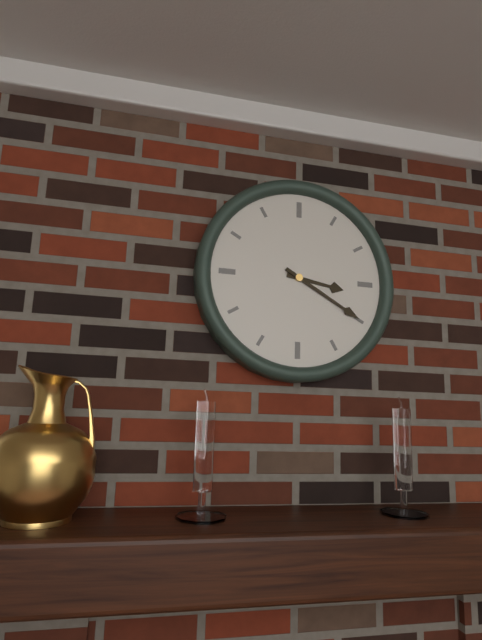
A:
3:20
